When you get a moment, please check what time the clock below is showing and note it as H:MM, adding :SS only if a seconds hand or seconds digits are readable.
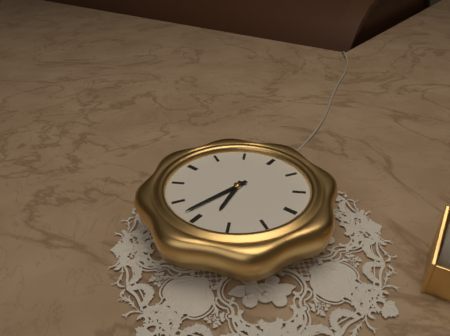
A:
5:32
